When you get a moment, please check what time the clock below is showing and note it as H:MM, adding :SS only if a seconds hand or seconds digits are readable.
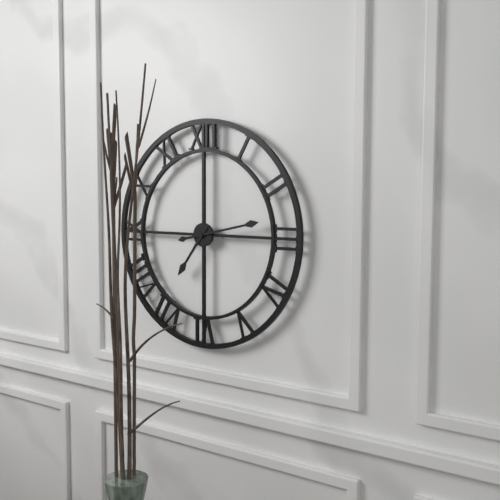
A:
7:13
